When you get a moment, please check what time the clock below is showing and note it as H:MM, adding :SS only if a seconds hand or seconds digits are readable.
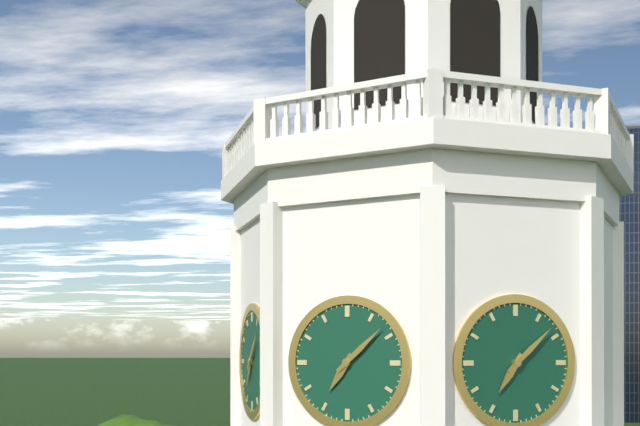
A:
7:08
